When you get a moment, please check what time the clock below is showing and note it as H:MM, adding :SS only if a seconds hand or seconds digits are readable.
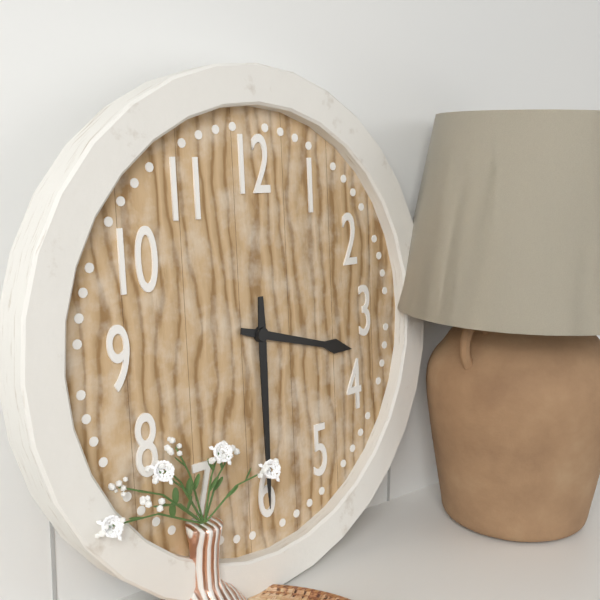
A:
3:30
